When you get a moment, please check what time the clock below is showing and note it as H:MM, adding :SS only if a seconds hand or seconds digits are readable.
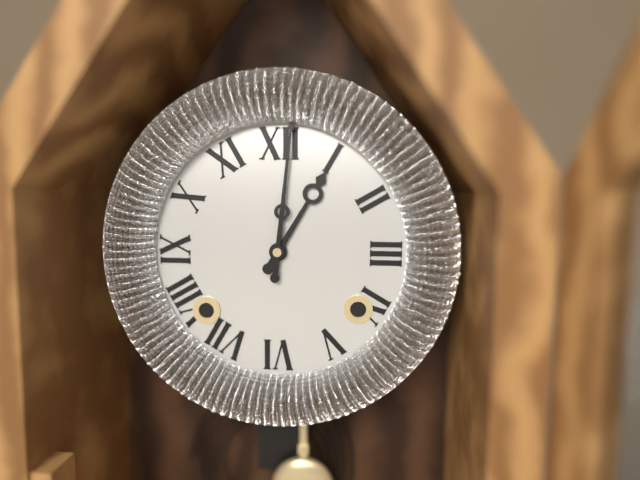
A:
1:01
